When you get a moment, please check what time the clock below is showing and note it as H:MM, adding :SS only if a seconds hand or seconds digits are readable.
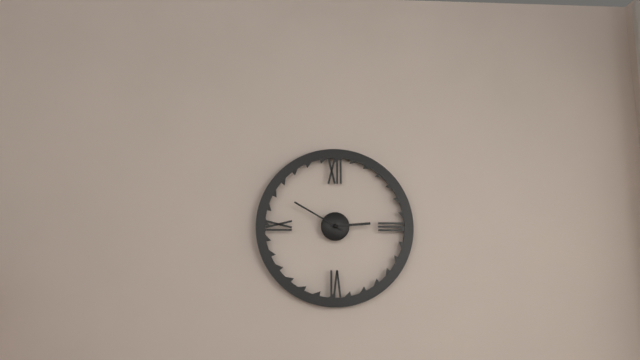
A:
2:50
